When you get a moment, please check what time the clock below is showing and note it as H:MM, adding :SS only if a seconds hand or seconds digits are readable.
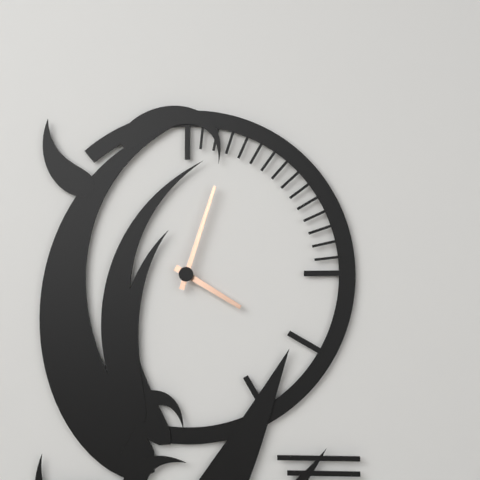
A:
4:03
